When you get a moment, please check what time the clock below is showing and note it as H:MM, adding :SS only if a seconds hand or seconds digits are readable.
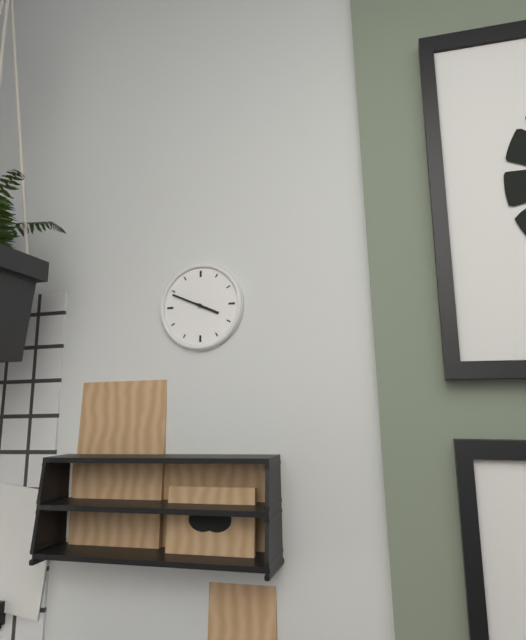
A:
3:49
